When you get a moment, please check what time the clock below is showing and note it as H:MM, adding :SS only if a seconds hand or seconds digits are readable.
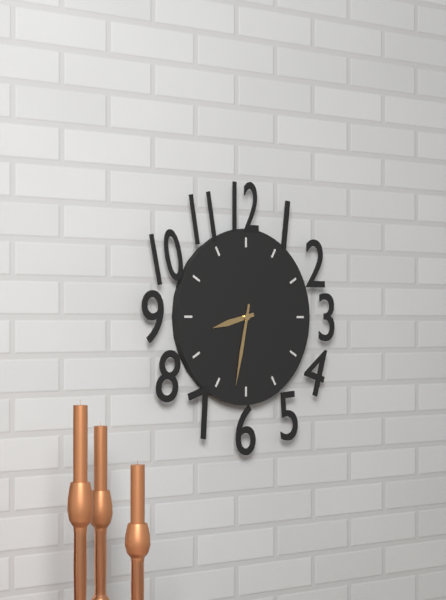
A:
8:32
